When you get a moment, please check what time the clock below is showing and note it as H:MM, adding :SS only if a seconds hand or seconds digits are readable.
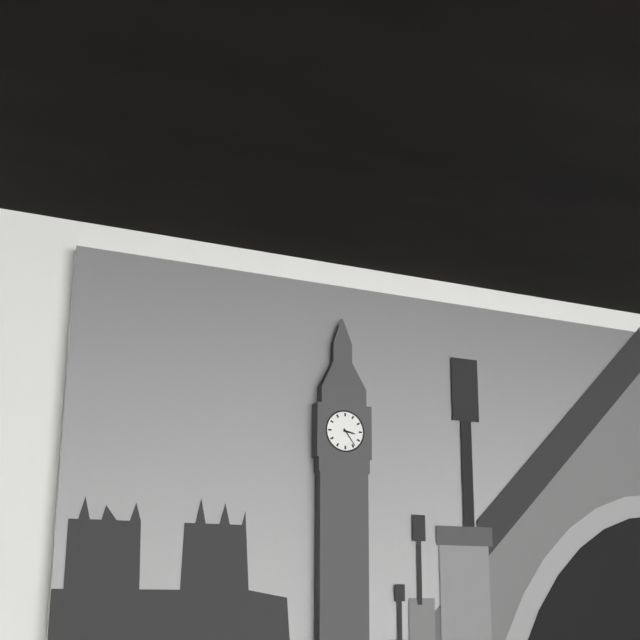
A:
3:24
